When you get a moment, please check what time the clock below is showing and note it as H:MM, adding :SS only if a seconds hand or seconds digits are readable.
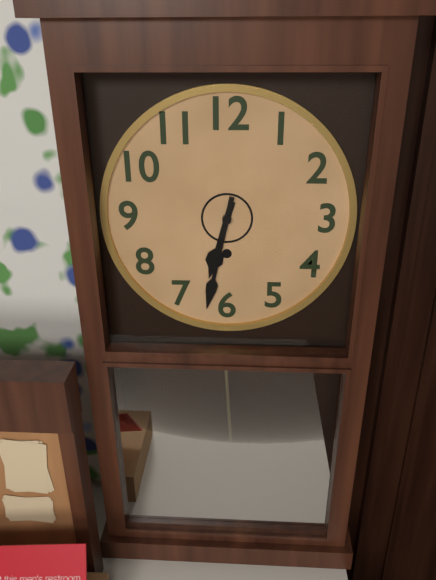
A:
6:32
